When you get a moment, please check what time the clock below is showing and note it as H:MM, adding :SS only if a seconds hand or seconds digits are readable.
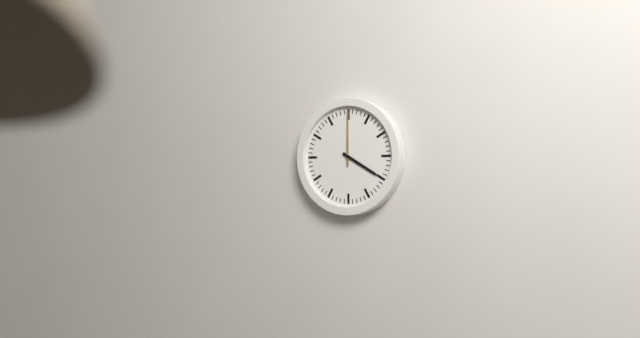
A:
4:00
